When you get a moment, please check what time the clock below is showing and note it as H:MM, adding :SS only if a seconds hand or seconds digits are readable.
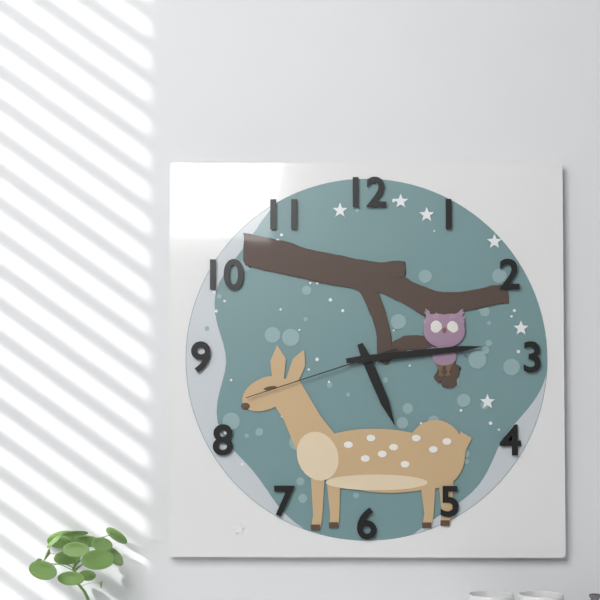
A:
5:14:42
